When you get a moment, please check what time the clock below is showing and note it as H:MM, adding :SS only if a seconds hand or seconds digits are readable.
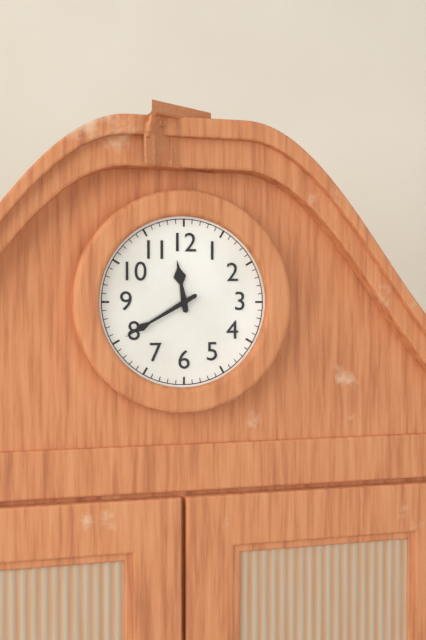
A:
11:40
